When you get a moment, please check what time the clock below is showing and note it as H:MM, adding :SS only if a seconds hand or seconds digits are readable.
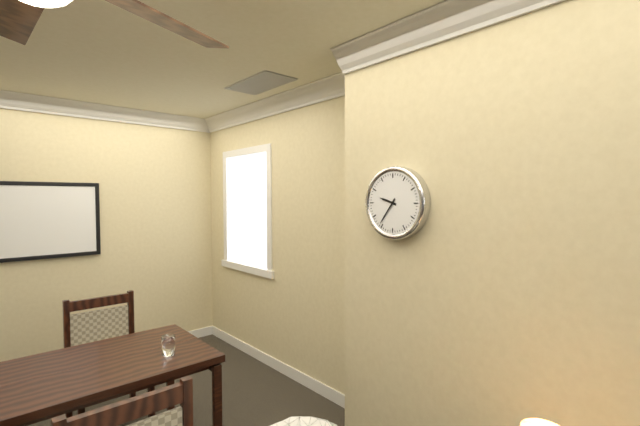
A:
9:36
